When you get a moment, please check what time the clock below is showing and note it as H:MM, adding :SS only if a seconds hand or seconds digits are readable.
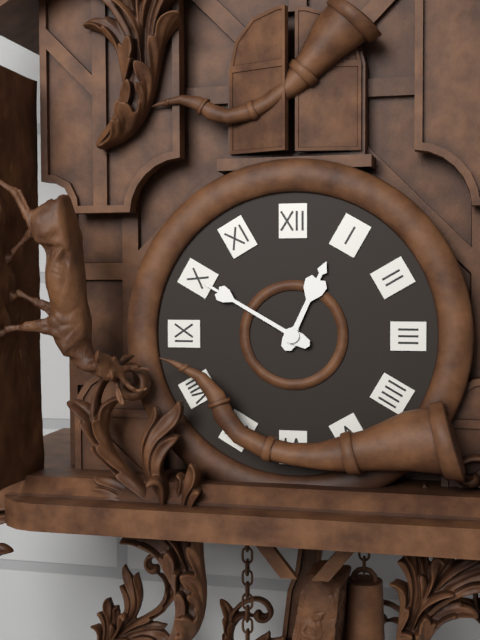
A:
12:50
